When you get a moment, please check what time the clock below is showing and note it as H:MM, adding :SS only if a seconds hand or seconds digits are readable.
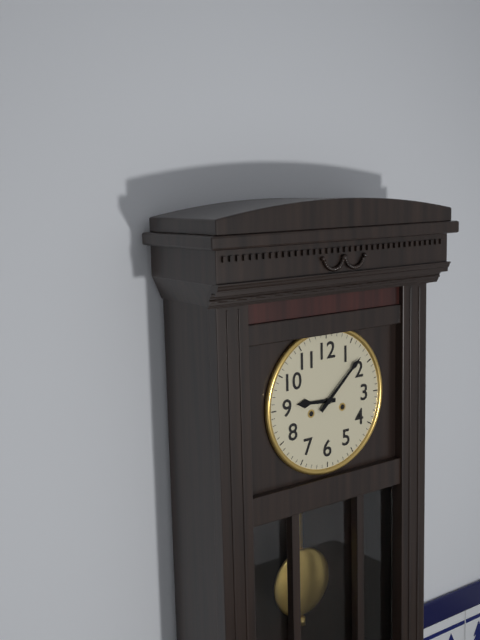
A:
9:08
